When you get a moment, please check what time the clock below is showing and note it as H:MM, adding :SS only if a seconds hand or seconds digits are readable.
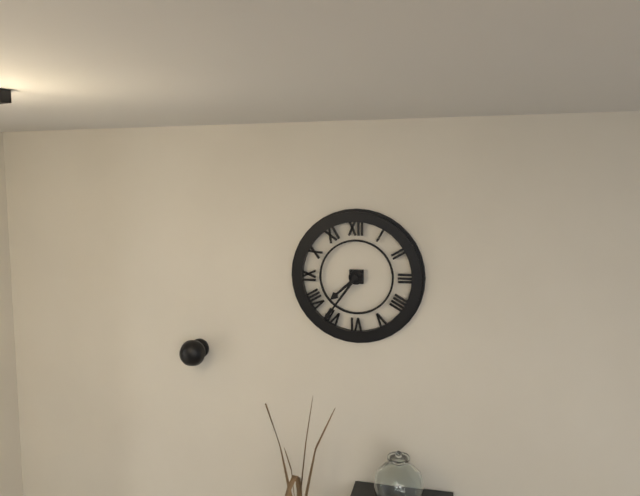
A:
7:36
